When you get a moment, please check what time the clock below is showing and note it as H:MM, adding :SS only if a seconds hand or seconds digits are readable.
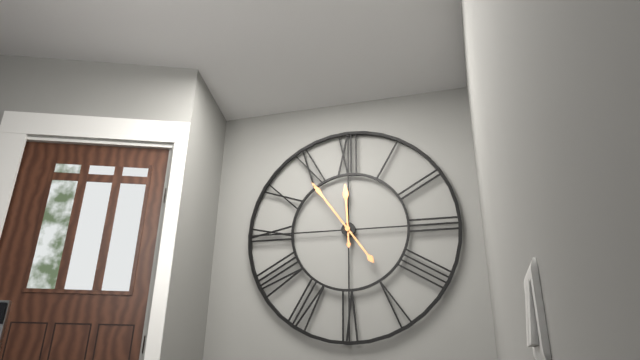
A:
11:54
